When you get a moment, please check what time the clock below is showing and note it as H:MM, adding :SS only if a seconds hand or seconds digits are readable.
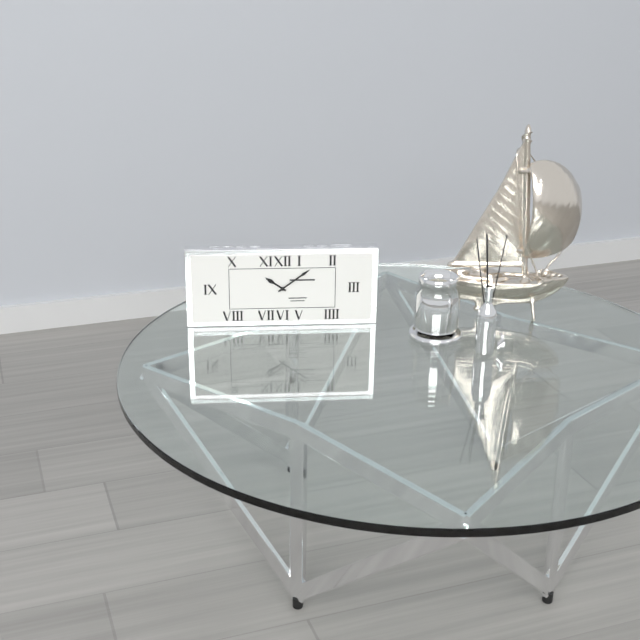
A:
10:09
